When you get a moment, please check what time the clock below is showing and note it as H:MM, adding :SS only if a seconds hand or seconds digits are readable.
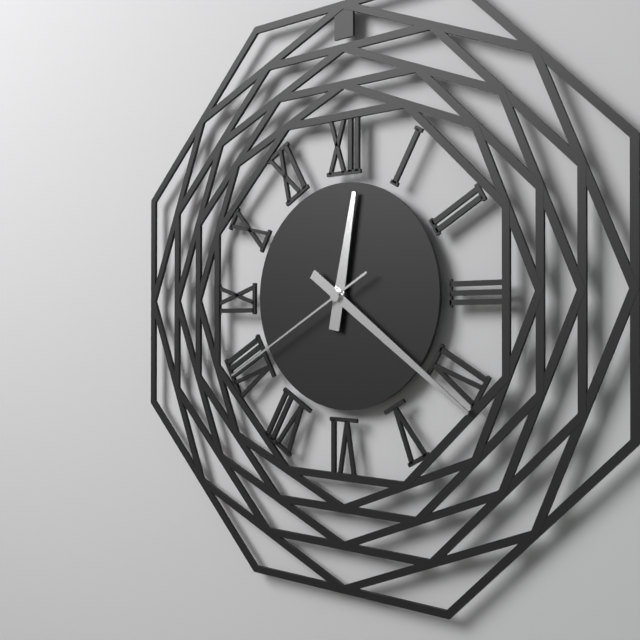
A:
12:21:40
